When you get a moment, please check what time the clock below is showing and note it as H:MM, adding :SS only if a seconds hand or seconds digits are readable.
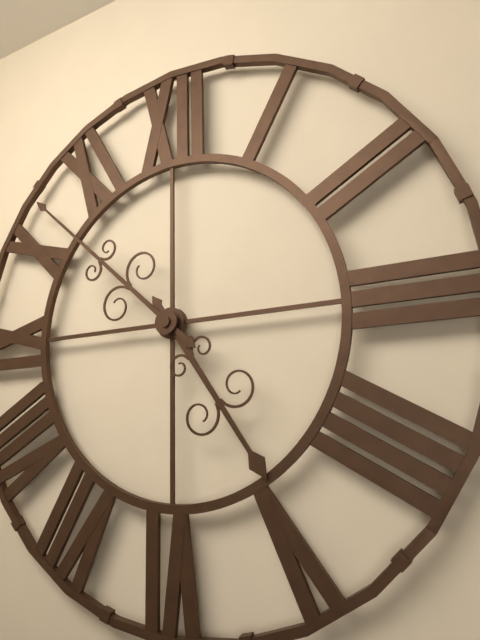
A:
4:52
